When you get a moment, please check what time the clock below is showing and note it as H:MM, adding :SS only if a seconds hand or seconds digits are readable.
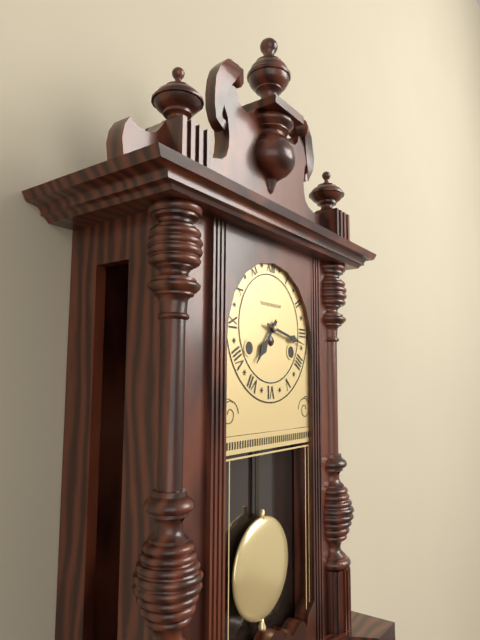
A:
7:17
